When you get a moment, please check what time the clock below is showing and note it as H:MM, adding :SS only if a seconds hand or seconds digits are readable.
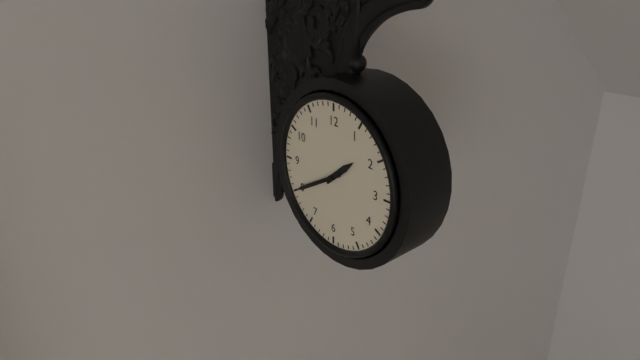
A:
1:40
